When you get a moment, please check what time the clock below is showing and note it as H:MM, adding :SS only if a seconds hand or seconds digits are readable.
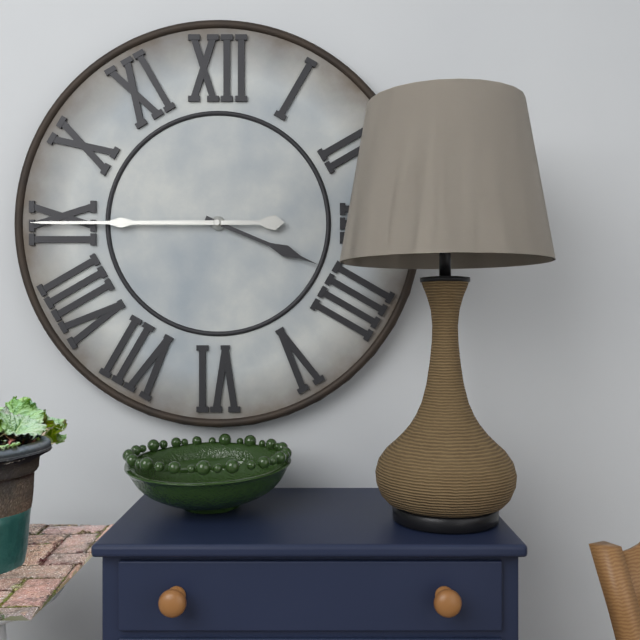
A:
3:45
